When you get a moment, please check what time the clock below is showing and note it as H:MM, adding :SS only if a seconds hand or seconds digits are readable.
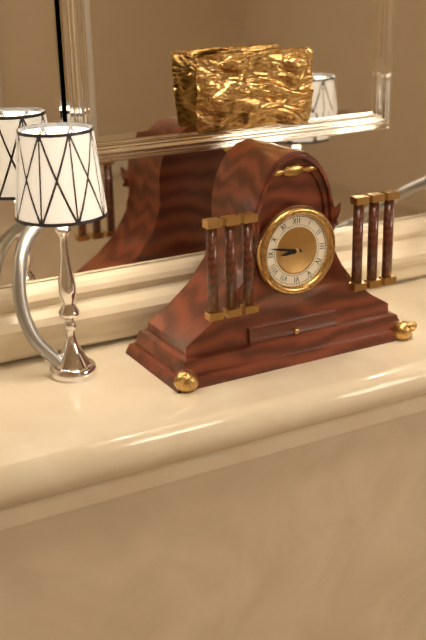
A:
8:47
